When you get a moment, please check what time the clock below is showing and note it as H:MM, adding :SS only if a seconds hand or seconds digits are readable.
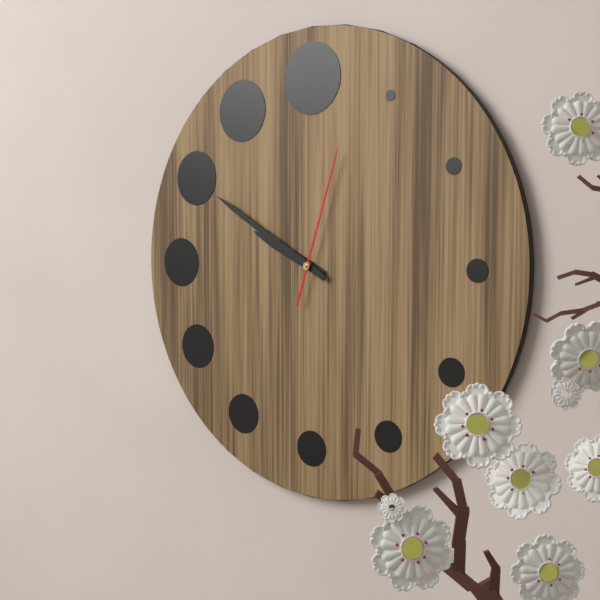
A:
9:50:03
